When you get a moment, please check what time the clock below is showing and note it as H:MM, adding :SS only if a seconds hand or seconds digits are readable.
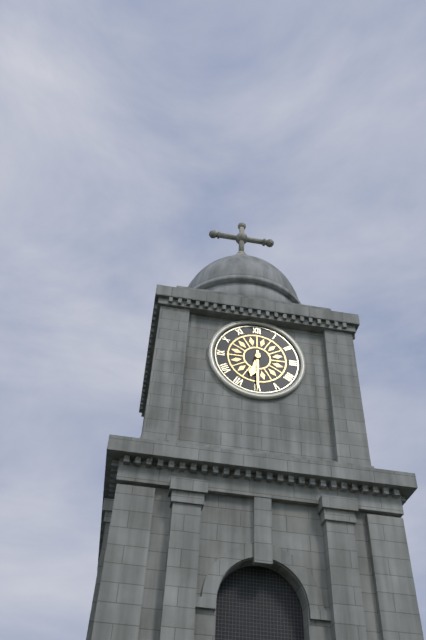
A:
6:30
